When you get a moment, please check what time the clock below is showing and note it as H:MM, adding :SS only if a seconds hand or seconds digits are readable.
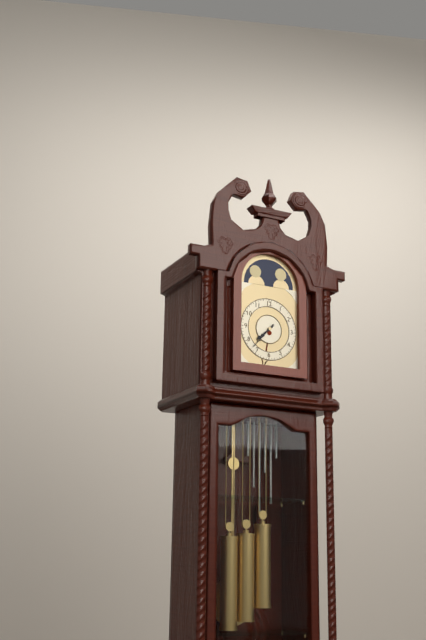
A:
7:37
